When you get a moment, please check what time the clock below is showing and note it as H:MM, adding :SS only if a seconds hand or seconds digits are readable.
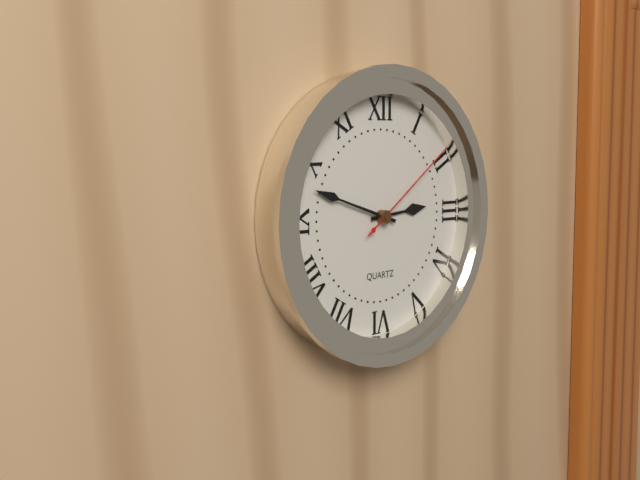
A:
2:48:09
